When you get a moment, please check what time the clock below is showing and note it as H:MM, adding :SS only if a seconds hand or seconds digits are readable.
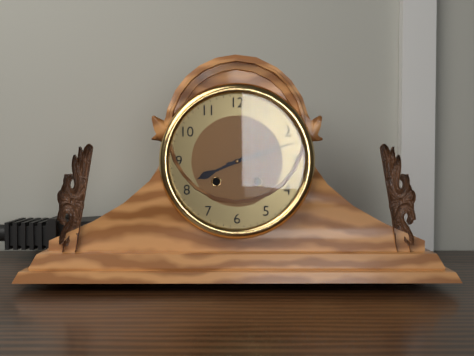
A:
8:12
